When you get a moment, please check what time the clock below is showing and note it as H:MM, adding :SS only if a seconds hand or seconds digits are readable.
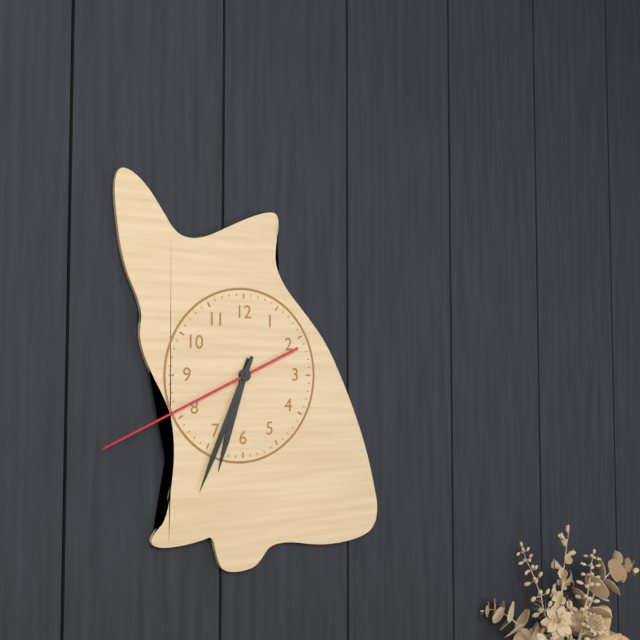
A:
6:34:41
